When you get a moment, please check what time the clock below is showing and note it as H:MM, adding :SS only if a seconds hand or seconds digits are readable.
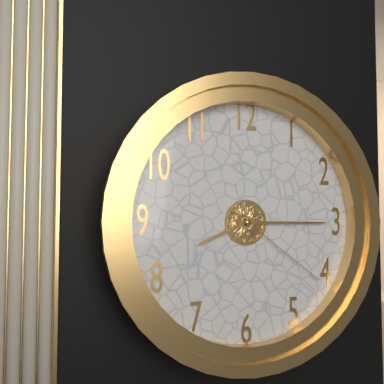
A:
8:15:21
